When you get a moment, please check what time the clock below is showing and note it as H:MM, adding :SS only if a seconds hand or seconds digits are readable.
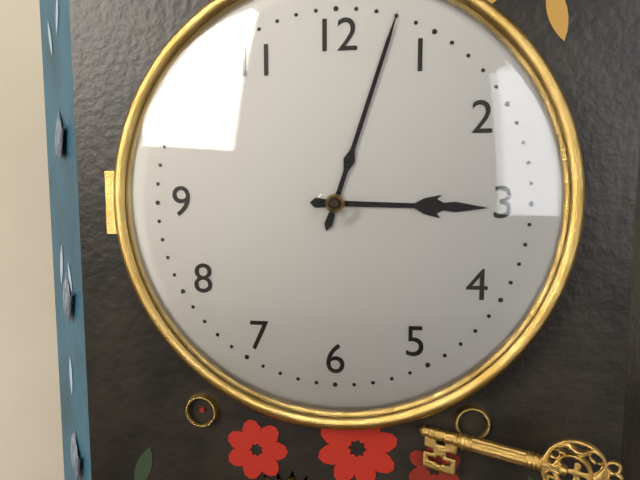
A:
3:03
